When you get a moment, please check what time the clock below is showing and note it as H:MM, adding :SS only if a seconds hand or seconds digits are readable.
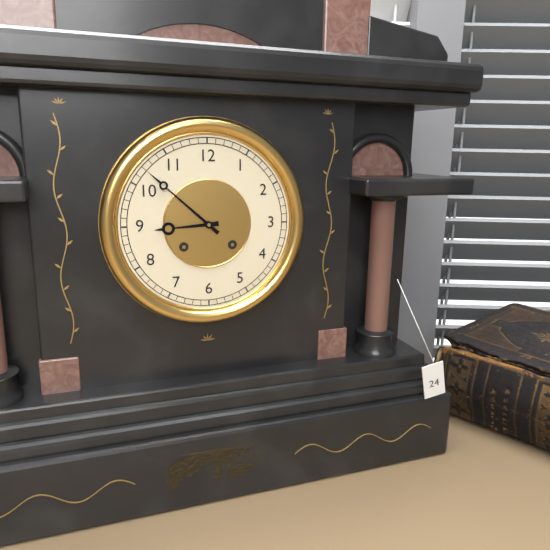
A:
8:52
